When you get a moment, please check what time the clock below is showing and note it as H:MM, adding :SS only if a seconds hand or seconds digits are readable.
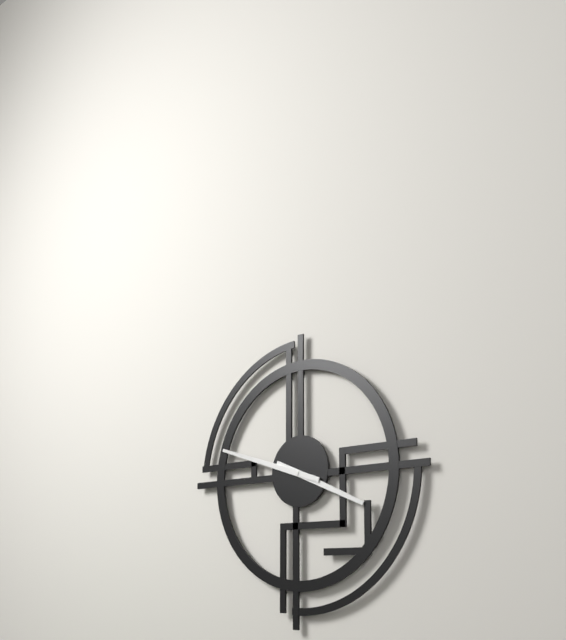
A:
3:48
